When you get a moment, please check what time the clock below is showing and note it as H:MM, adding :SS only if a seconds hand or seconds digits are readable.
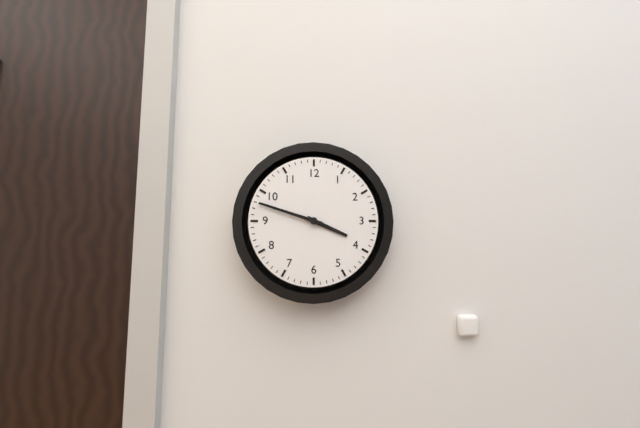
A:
3:48
